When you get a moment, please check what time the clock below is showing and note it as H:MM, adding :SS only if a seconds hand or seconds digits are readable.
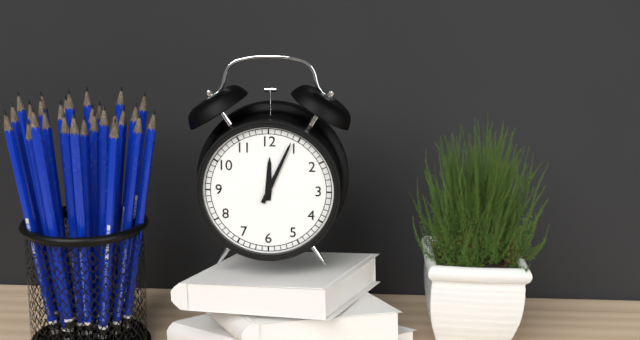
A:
12:04
